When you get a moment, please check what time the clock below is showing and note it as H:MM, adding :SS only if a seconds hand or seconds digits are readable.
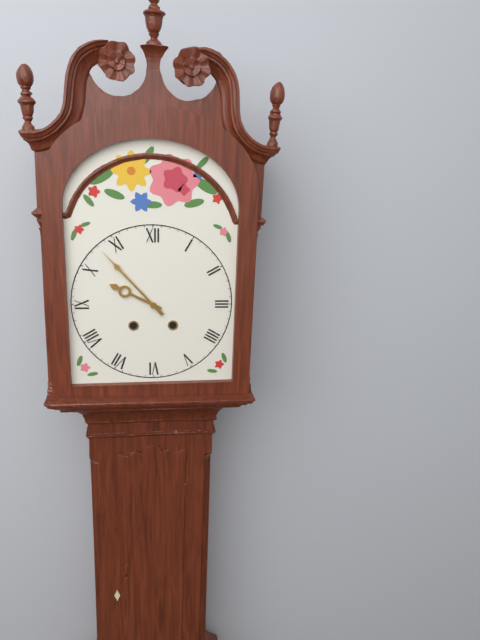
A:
9:53
